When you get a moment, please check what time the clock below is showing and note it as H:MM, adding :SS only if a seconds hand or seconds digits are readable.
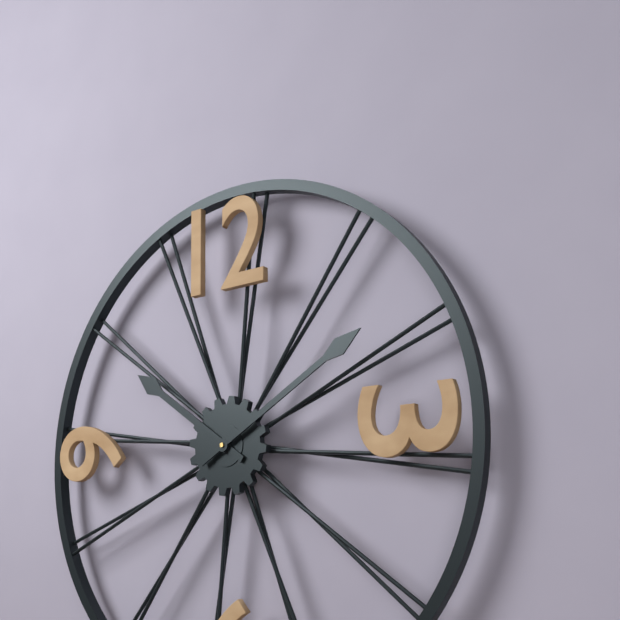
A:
10:10
